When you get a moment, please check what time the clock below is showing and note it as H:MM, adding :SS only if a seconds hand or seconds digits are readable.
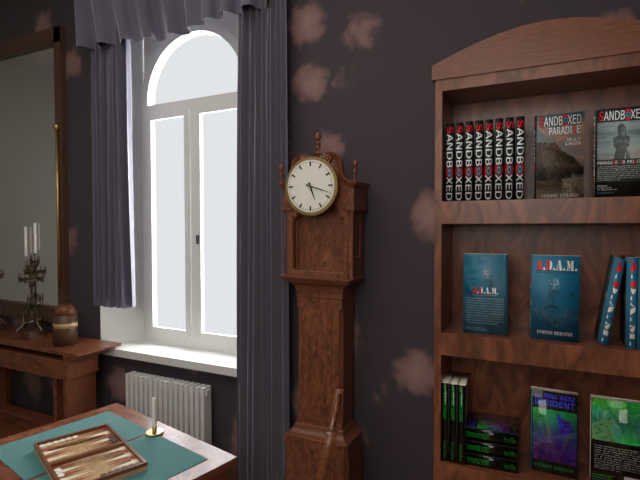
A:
5:18
